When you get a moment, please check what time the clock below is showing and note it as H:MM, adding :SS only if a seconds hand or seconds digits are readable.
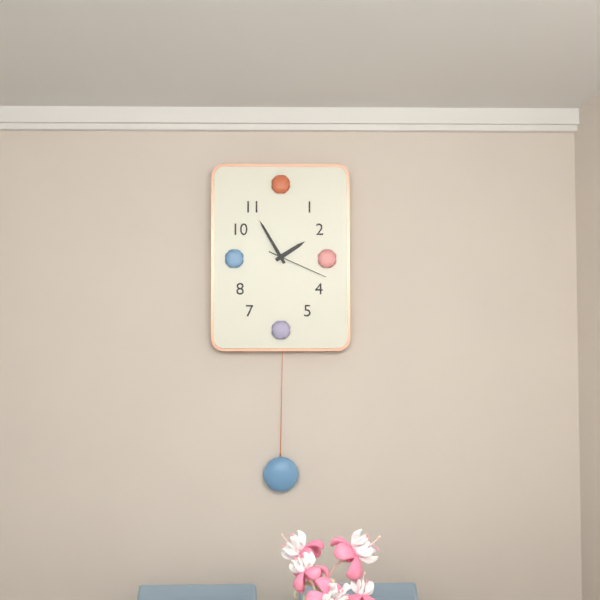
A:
1:55:19
